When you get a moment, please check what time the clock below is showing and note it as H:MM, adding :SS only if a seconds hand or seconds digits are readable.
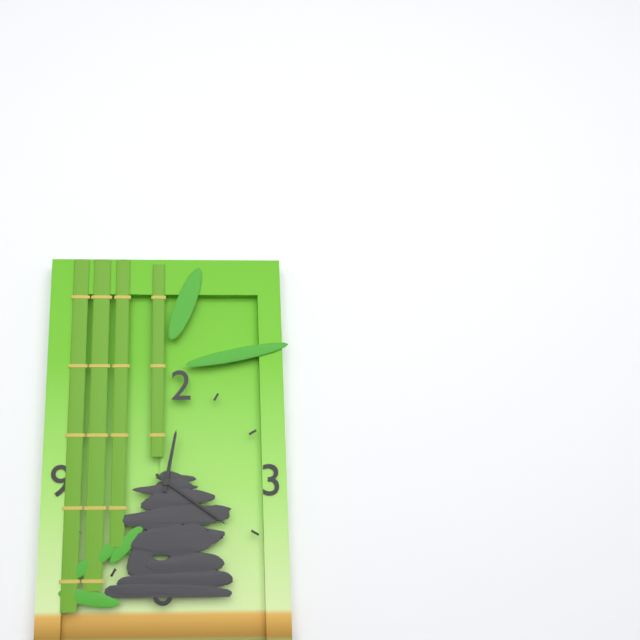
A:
12:21
